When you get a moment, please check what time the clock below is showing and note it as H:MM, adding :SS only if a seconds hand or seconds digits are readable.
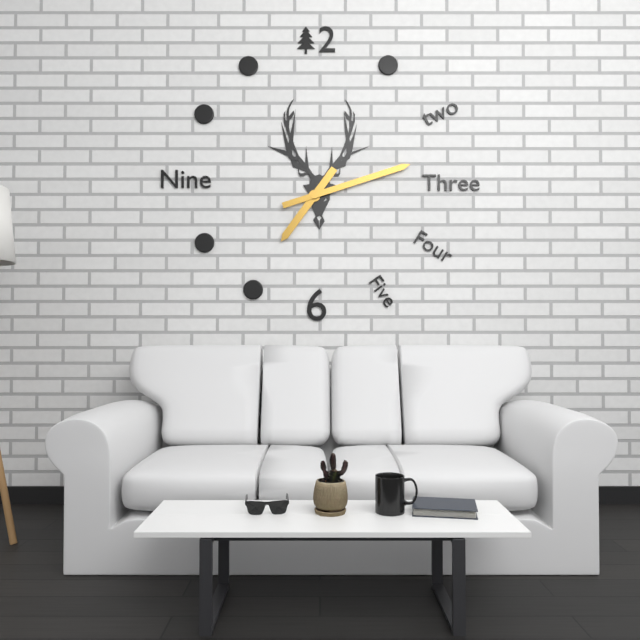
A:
7:12
